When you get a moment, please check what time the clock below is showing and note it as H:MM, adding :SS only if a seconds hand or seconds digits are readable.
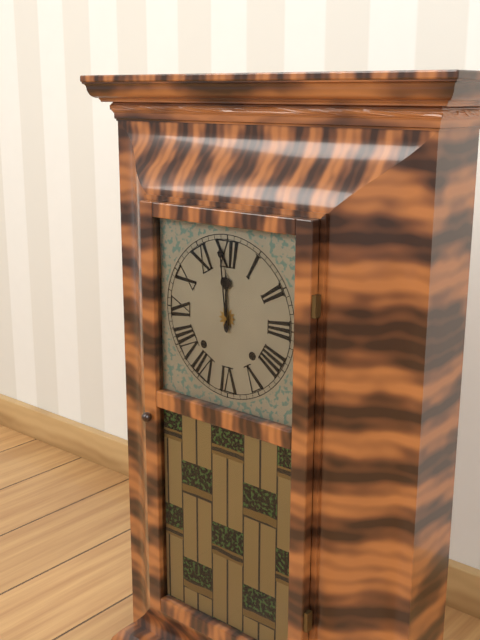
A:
11:59
